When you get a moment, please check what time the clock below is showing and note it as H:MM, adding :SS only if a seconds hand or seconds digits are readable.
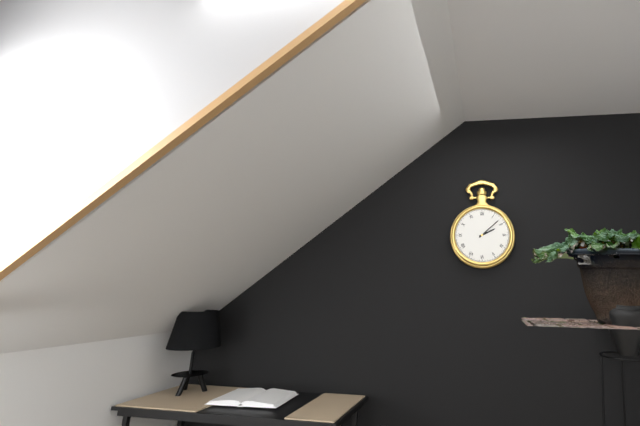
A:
2:08
